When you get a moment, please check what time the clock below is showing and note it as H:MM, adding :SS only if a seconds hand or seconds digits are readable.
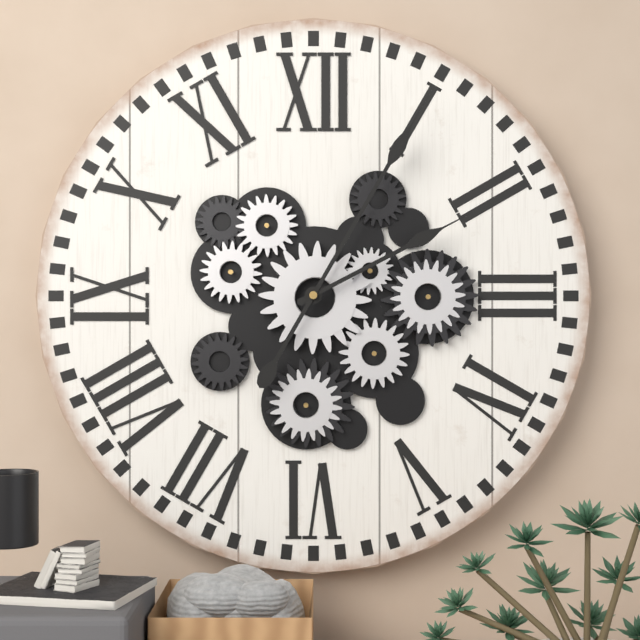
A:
2:05
